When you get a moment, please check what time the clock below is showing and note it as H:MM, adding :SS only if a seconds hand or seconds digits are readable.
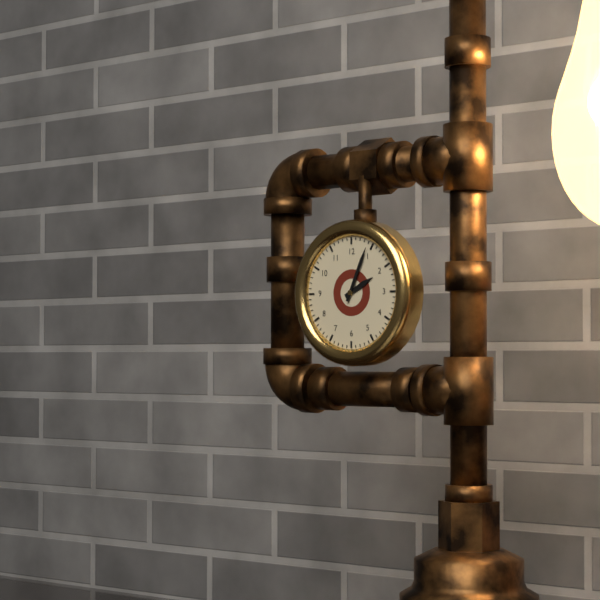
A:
2:04
